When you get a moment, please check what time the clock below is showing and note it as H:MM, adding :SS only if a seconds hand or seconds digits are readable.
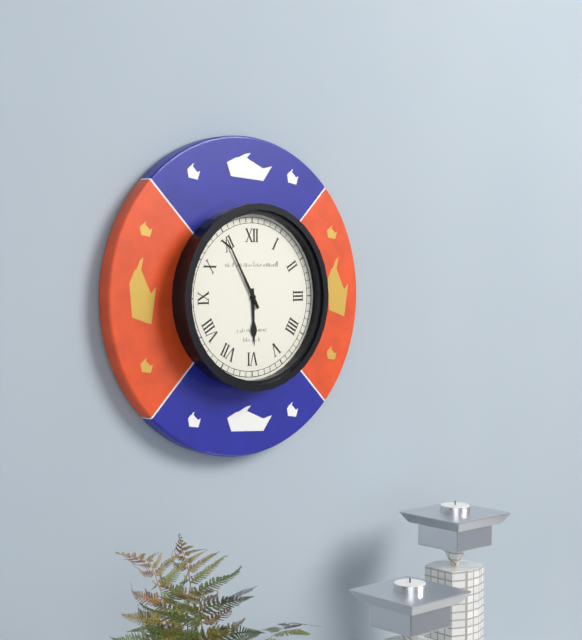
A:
5:55
